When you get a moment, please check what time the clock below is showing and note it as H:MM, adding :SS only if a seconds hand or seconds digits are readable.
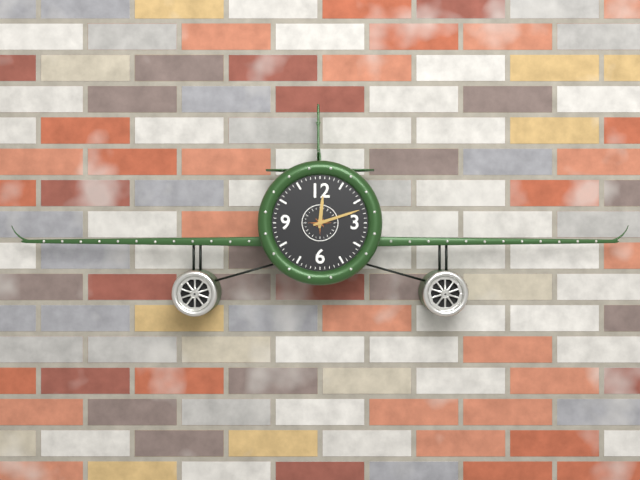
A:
12:12
